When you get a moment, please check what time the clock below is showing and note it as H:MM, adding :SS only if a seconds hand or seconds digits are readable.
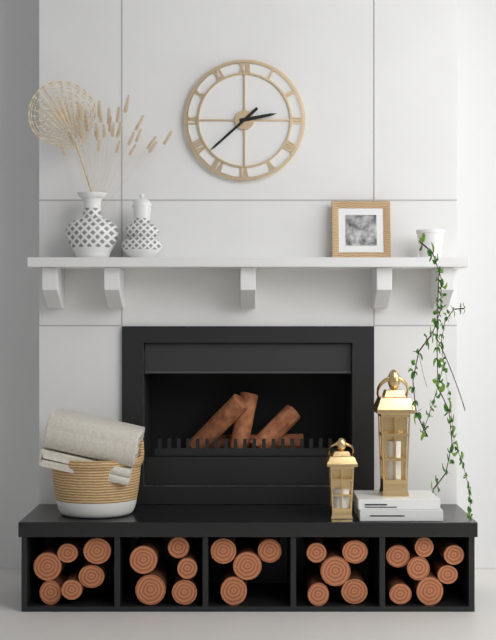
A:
2:38
